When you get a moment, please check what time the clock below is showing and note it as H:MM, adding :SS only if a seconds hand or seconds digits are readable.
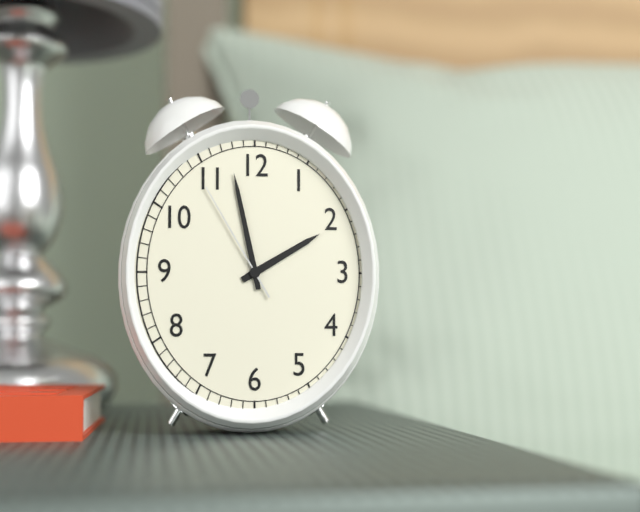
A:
1:58:55
